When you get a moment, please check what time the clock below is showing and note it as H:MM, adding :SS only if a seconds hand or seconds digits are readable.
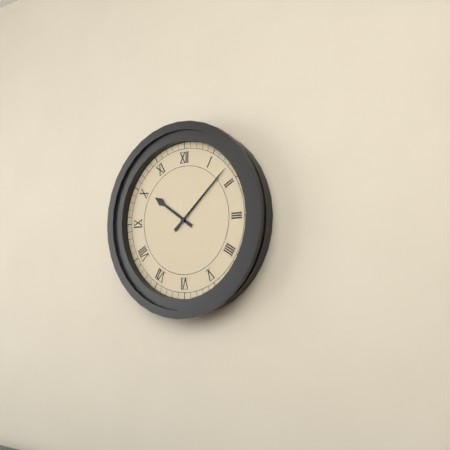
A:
10:08
